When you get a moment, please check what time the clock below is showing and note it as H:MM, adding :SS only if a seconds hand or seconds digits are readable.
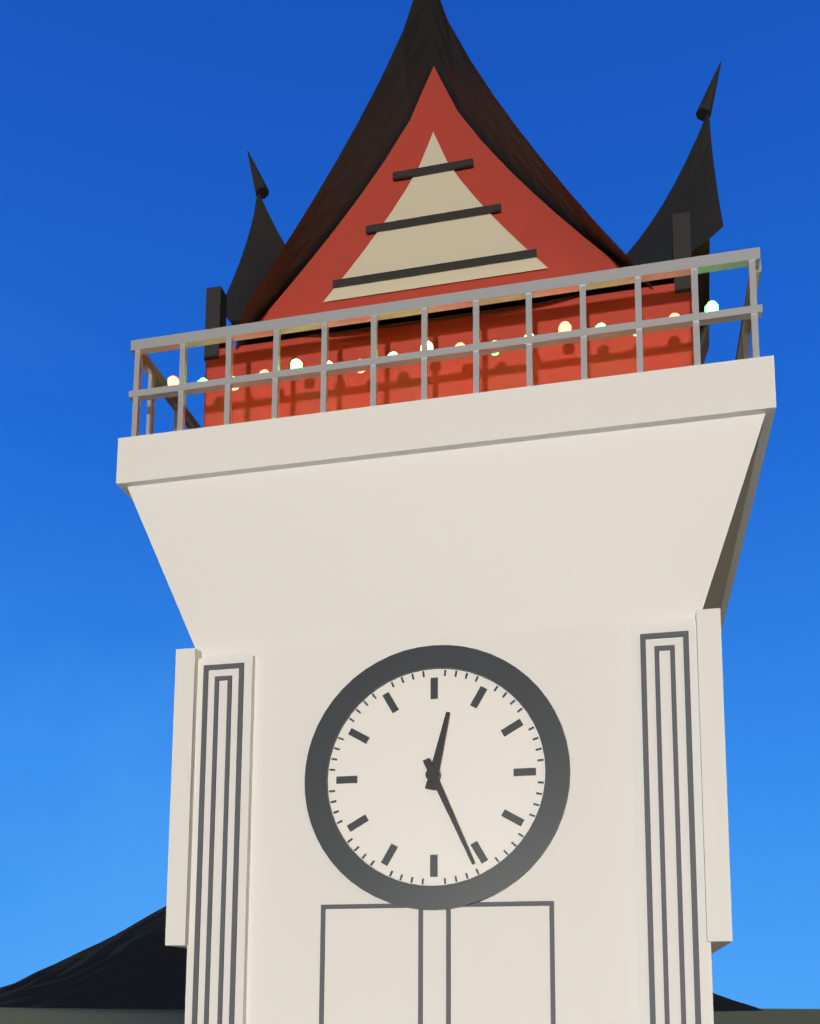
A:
12:26
